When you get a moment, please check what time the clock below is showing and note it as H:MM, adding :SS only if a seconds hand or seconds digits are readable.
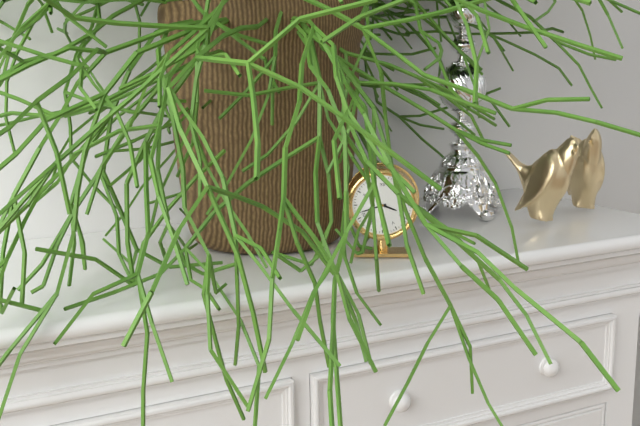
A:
3:42
